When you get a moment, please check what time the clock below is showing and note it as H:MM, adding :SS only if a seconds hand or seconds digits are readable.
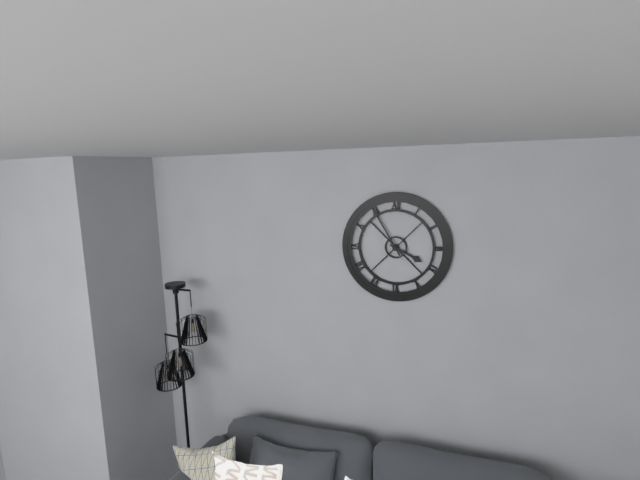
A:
3:55
